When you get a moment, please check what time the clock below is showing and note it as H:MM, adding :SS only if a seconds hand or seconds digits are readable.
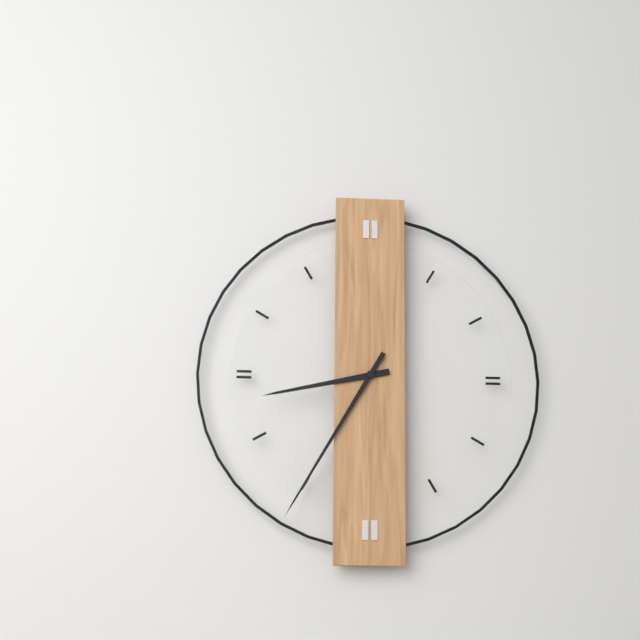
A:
8:35
